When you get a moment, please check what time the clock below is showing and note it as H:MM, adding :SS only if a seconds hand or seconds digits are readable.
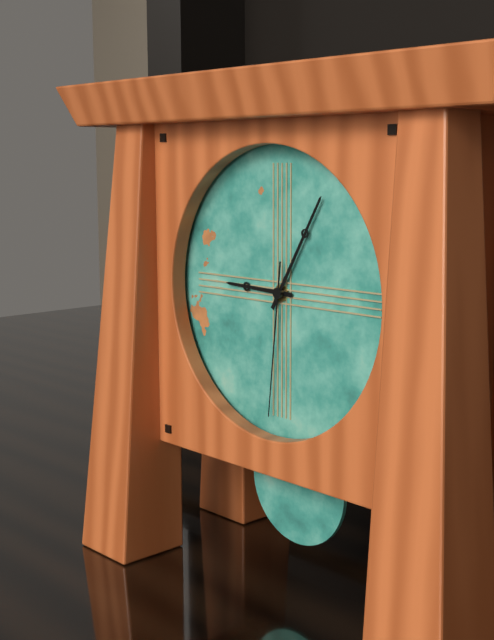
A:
9:05:31
